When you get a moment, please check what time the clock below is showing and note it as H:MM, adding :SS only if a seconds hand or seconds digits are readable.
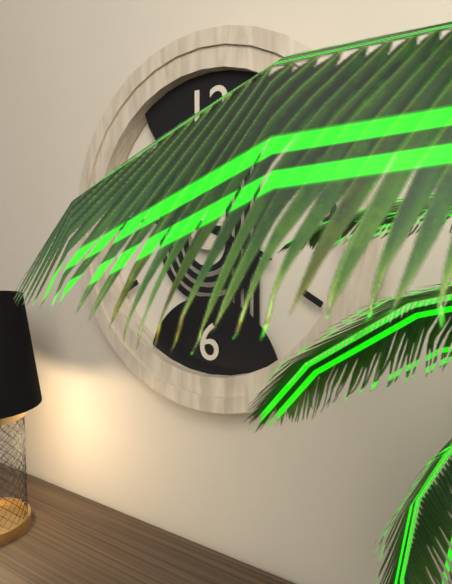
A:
3:46
